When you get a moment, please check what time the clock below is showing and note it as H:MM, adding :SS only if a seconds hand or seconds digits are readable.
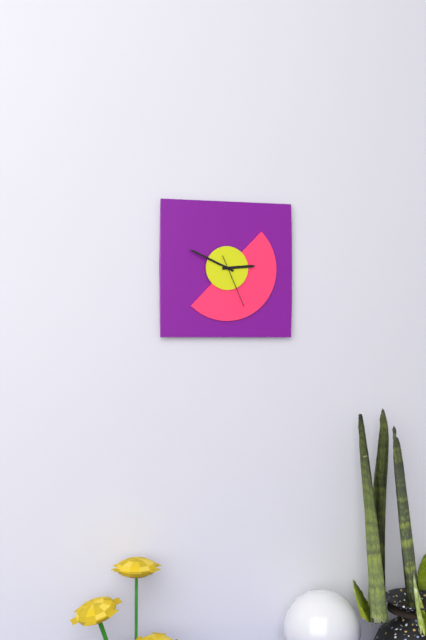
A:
2:49:26
